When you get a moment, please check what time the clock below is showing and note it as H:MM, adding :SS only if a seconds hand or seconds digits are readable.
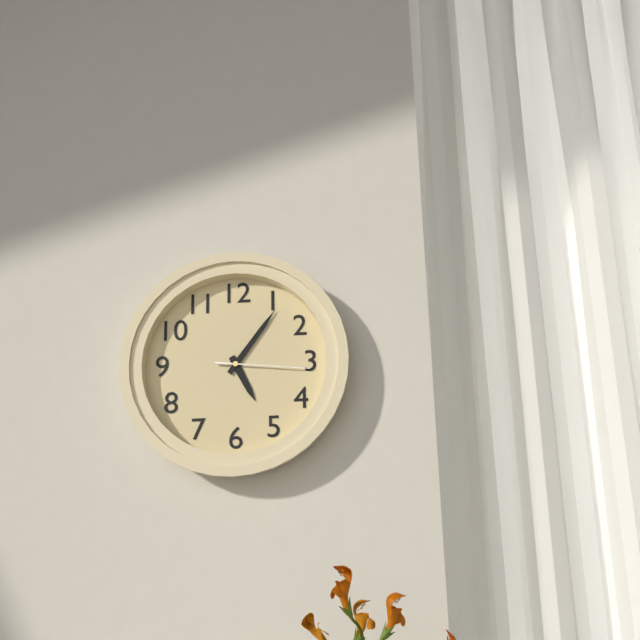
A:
5:06:16
